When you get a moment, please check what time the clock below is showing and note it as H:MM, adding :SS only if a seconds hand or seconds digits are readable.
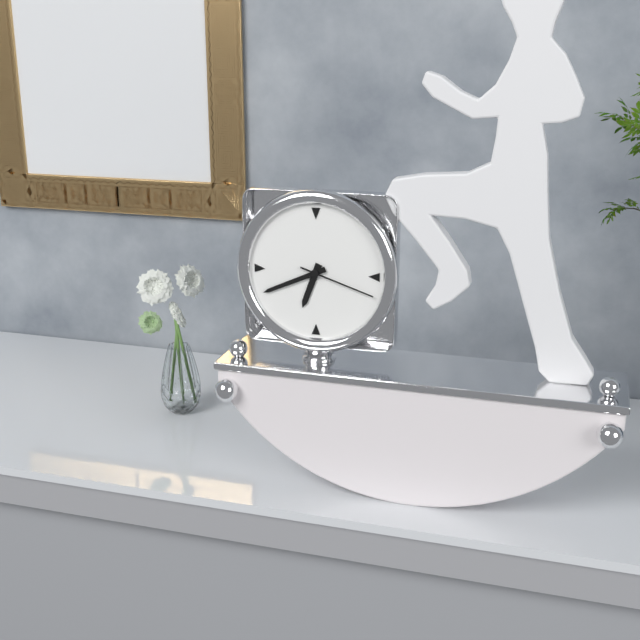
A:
6:41:18
